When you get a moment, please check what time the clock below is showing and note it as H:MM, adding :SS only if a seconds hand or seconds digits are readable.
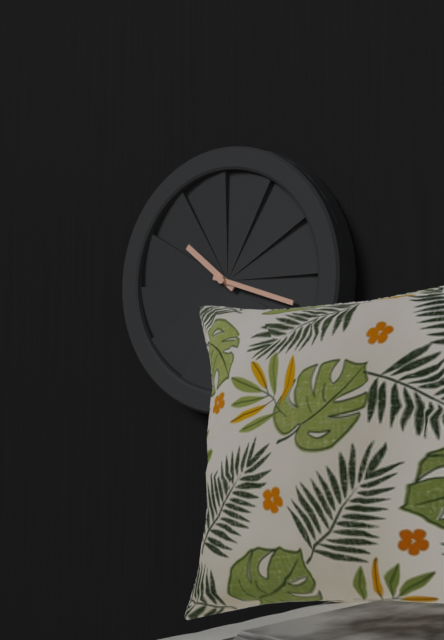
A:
10:18
